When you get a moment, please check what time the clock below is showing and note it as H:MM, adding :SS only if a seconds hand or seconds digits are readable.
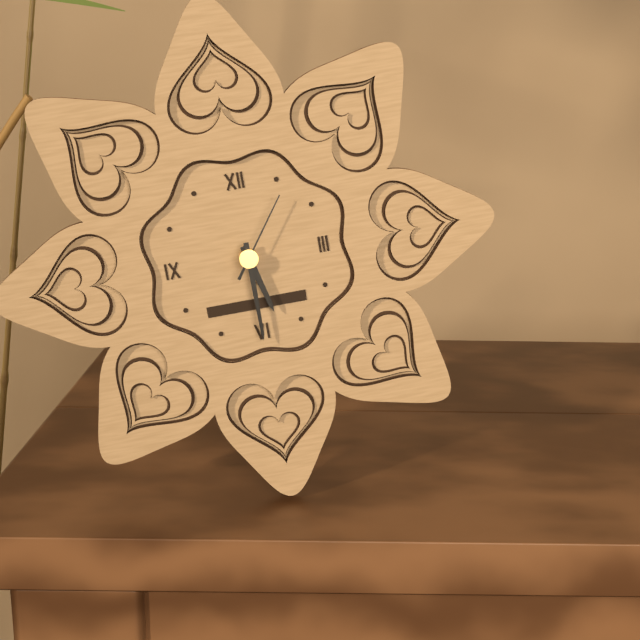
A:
5:30:06
